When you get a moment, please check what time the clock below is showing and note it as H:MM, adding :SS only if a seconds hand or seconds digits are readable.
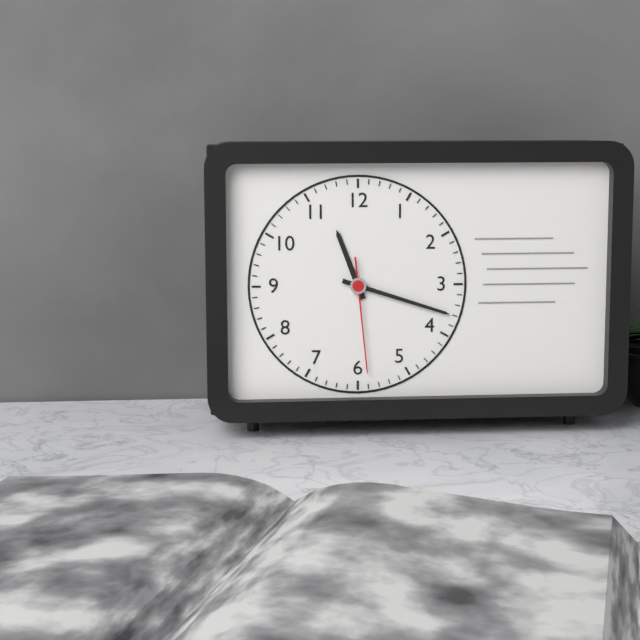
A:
11:18:29
